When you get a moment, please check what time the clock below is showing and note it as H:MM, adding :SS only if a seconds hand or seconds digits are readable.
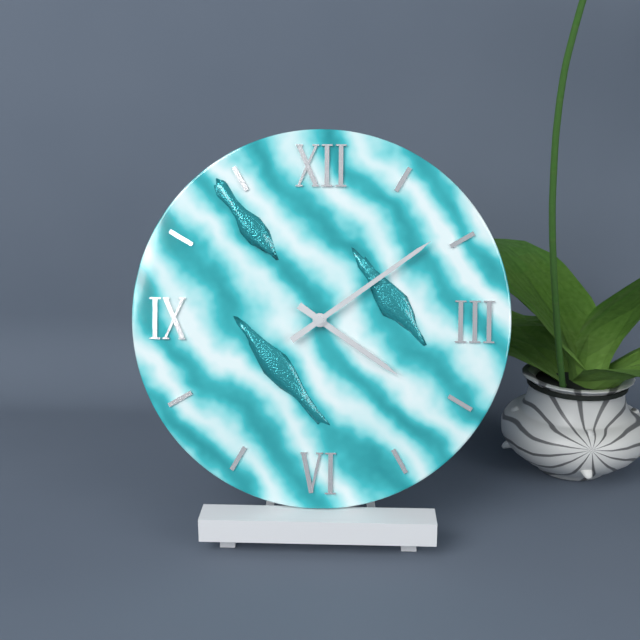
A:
4:09
